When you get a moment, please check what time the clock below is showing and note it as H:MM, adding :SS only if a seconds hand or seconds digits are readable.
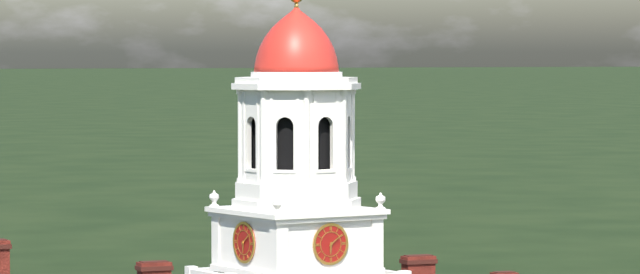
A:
6:09
